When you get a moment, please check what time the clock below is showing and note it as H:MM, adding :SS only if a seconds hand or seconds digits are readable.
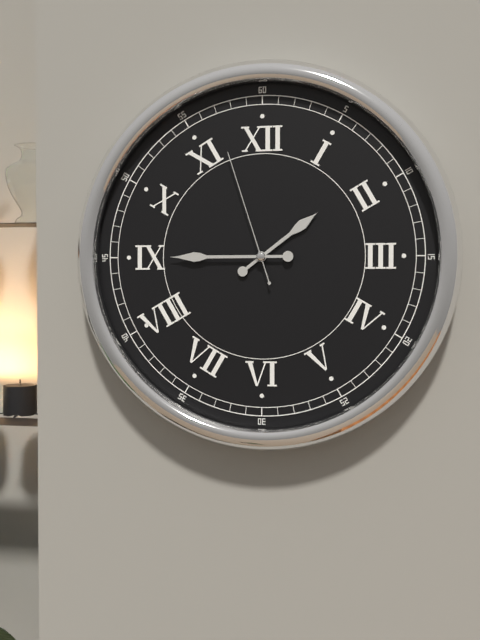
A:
1:45:57
